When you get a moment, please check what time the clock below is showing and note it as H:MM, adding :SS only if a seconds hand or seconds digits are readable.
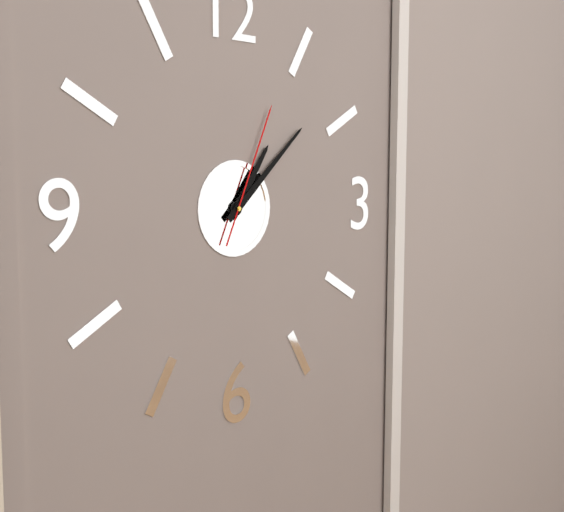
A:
1:08:04
